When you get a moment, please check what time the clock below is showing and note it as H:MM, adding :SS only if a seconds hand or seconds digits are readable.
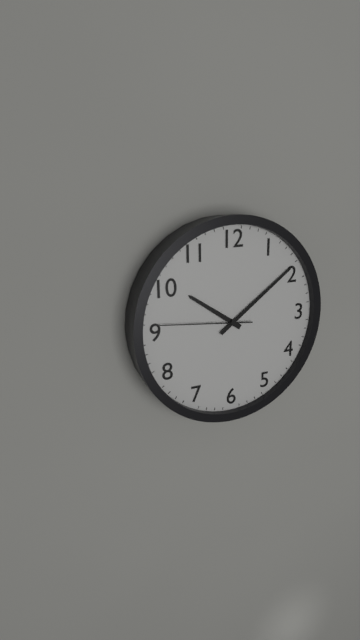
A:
10:09:46
